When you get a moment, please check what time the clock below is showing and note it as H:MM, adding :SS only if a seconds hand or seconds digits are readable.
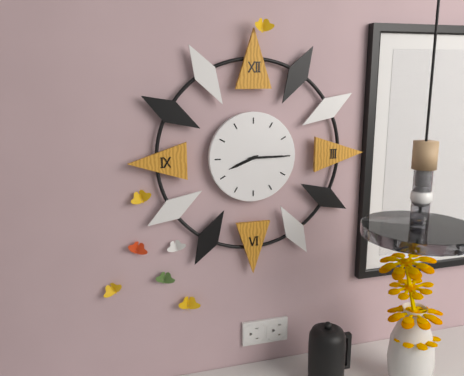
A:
8:15
